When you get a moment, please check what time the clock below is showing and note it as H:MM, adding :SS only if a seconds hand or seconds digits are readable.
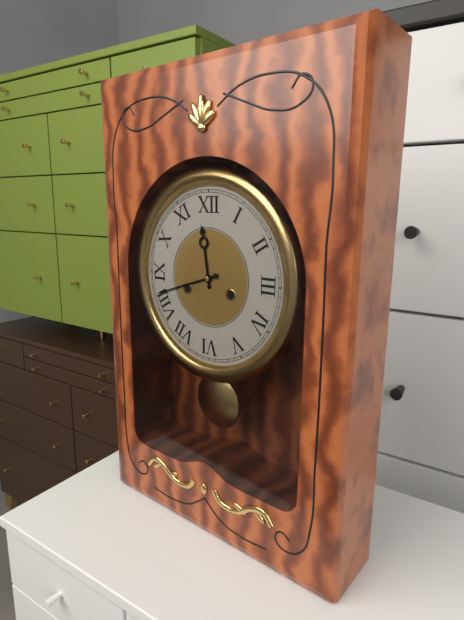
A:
11:42
